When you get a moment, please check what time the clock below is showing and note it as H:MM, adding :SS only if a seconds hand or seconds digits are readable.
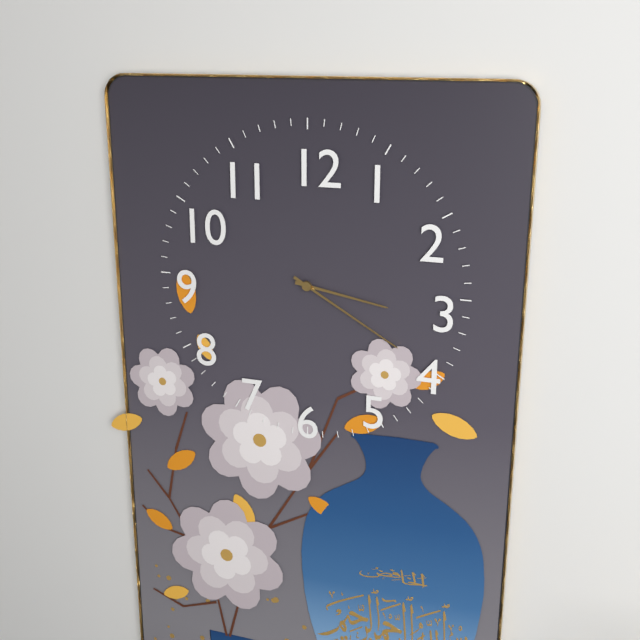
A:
3:20
